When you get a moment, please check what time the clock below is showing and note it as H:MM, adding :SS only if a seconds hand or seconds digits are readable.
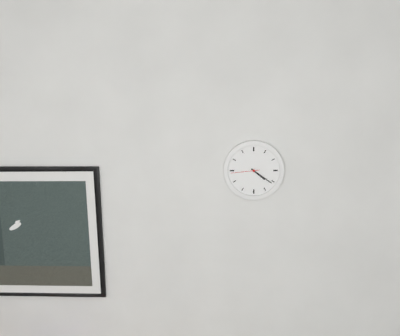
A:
4:21
